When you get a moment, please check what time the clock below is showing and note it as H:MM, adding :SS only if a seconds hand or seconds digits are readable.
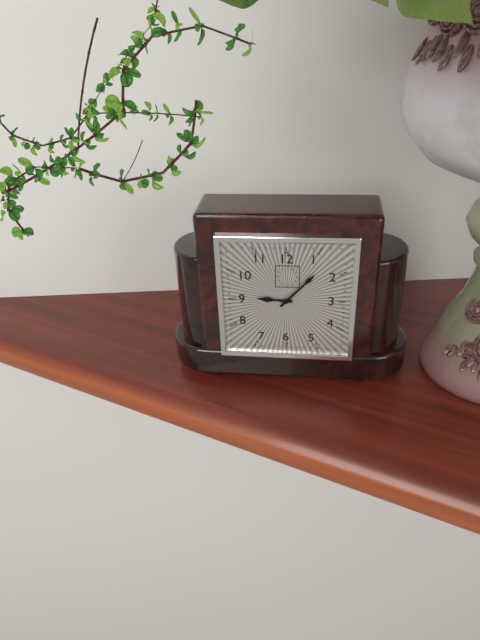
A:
9:07
